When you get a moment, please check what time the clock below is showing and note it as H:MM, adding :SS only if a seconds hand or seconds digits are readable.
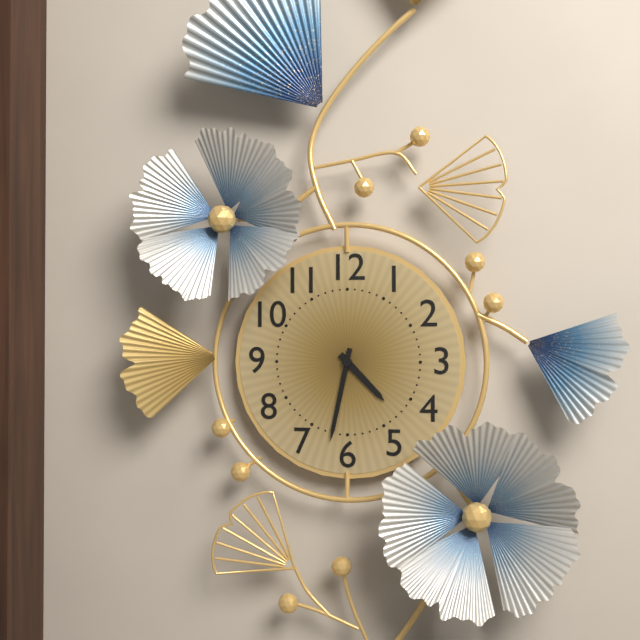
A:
4:32
